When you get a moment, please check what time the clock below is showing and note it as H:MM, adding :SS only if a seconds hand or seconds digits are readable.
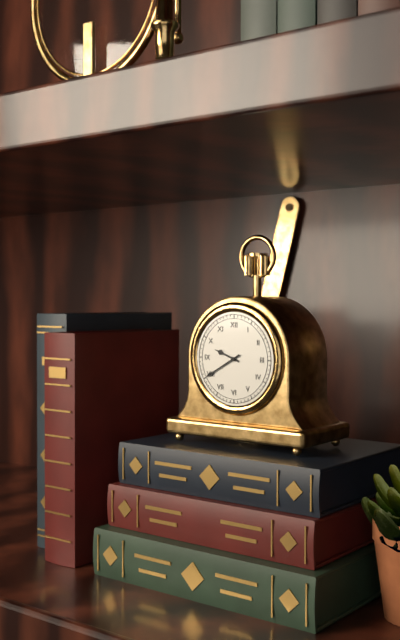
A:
9:40
